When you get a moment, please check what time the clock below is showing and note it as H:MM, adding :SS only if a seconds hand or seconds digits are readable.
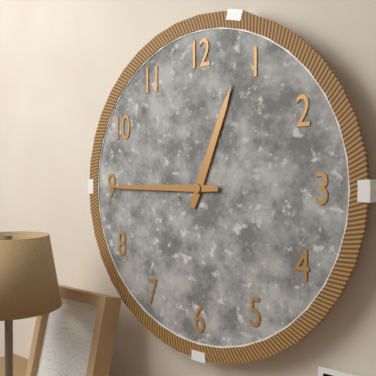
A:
12:45
